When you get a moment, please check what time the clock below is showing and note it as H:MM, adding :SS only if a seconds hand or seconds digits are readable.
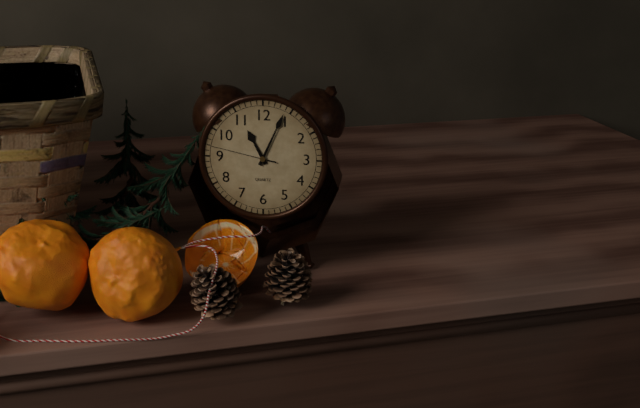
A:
11:04:47
